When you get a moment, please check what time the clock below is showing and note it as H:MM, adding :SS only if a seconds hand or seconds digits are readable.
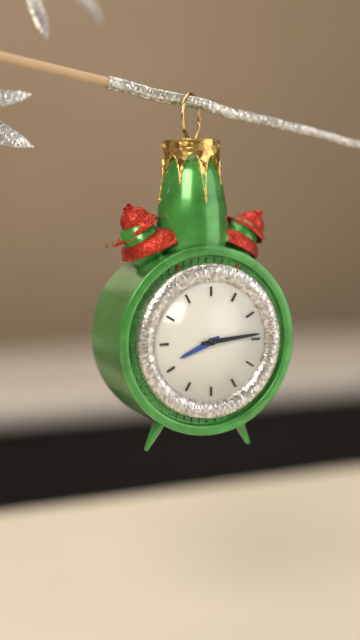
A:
8:14
